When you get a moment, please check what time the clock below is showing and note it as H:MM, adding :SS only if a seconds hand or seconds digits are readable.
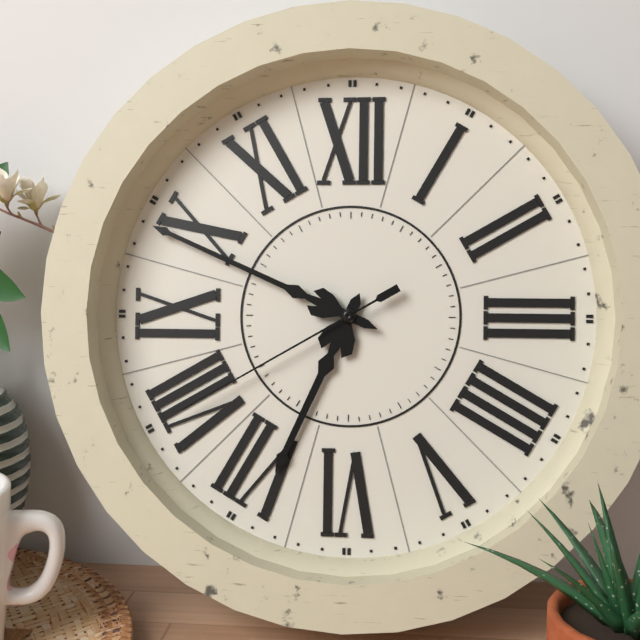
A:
6:49:40
